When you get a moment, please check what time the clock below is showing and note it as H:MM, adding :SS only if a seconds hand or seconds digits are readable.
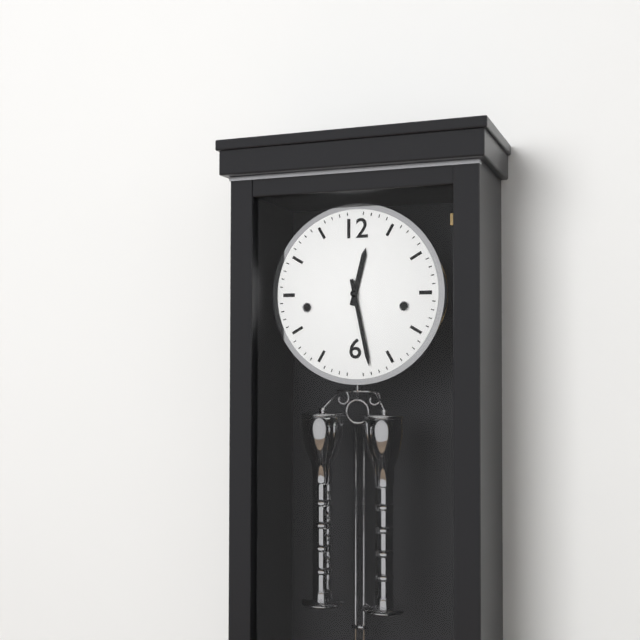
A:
12:28
